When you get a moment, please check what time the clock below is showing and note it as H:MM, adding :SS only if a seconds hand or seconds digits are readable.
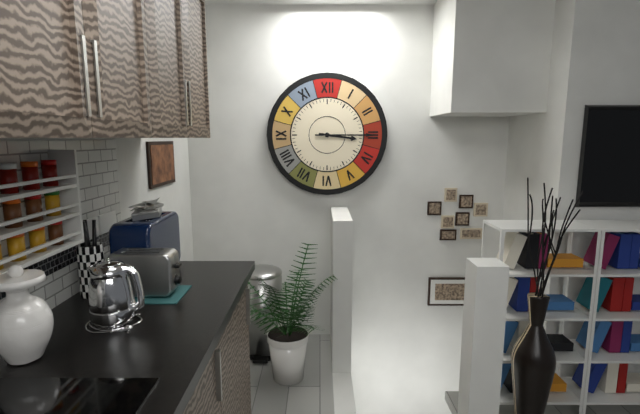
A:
3:15
